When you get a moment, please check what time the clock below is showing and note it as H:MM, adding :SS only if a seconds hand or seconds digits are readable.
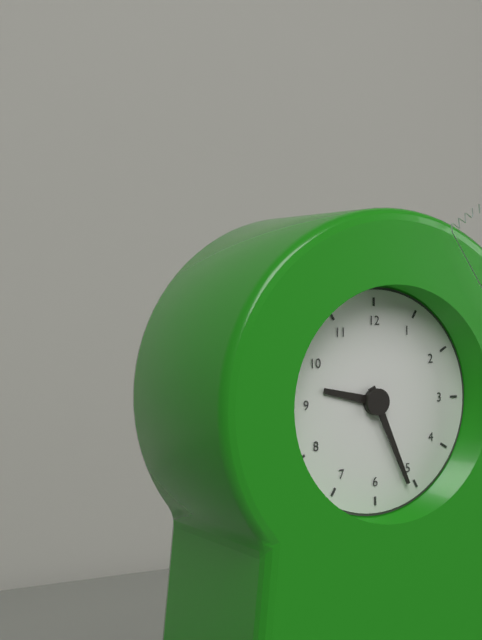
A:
9:26
